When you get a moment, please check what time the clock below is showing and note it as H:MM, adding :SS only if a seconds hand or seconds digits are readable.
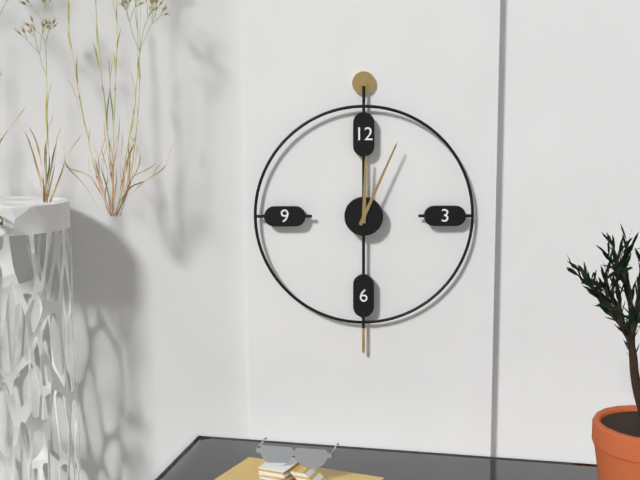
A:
12:04
